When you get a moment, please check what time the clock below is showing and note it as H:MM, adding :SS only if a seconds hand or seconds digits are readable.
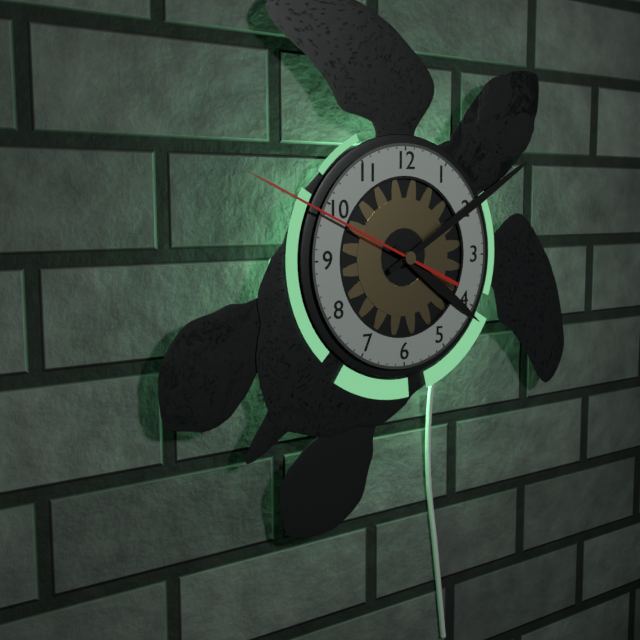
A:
4:10:49
